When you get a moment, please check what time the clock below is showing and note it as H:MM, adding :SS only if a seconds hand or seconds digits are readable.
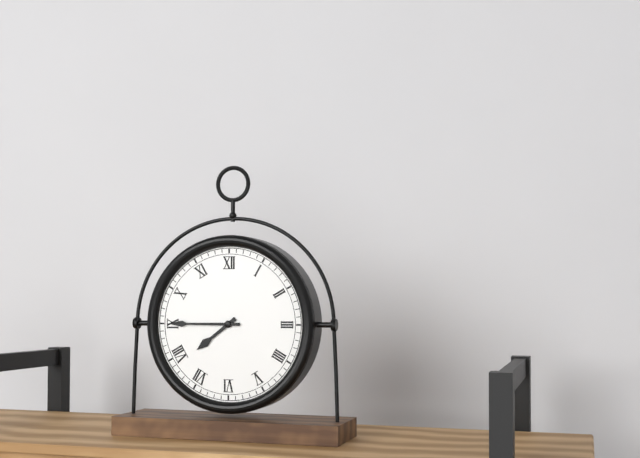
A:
7:45
